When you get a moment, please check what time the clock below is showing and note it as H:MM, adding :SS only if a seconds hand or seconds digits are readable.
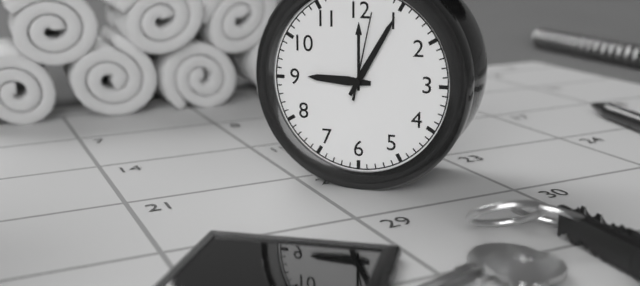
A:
9:05:02
